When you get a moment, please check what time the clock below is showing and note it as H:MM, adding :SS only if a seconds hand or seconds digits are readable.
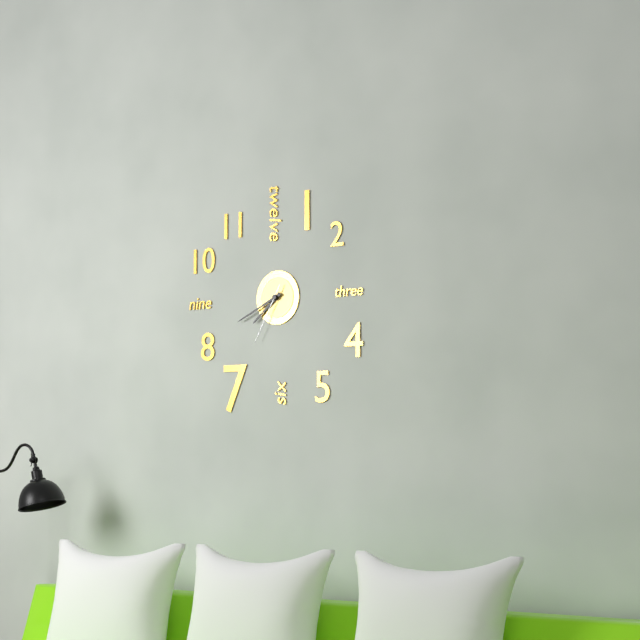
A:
7:41:35
